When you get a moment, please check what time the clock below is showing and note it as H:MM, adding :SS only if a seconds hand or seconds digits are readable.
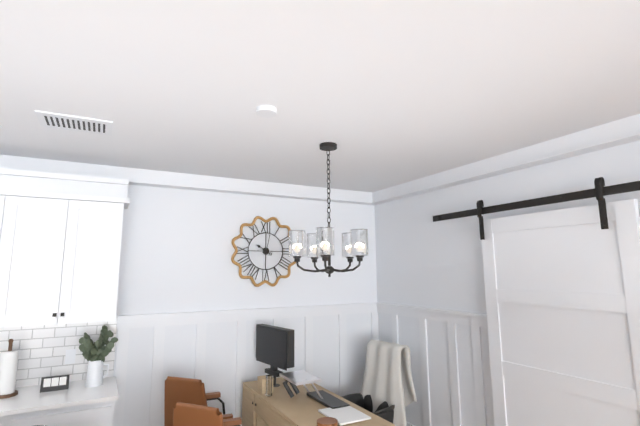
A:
10:02
